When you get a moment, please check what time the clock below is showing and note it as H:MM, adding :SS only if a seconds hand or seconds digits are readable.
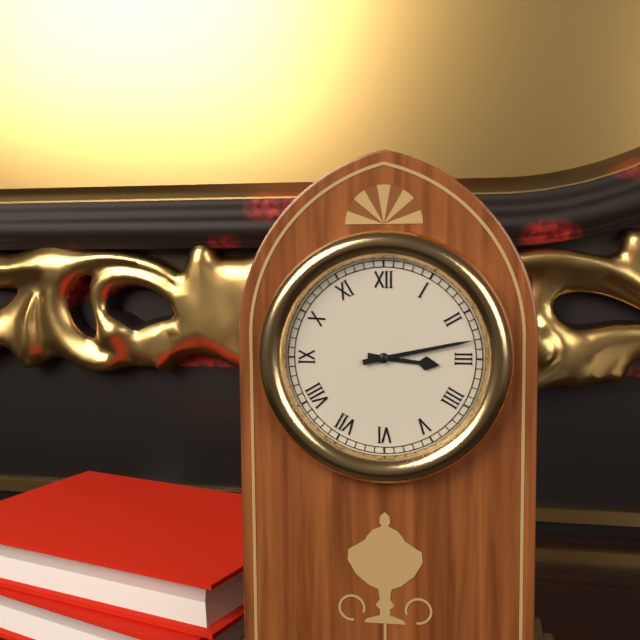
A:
3:13
